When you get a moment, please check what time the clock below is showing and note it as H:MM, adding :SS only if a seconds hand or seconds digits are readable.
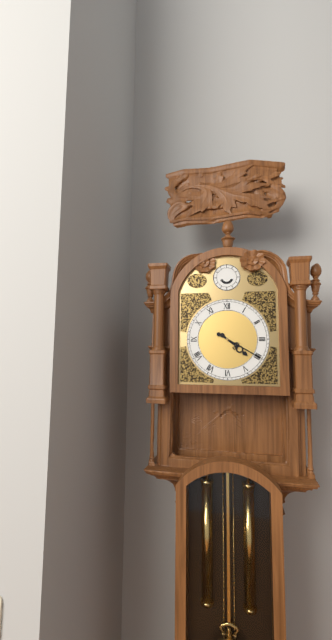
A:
4:20
